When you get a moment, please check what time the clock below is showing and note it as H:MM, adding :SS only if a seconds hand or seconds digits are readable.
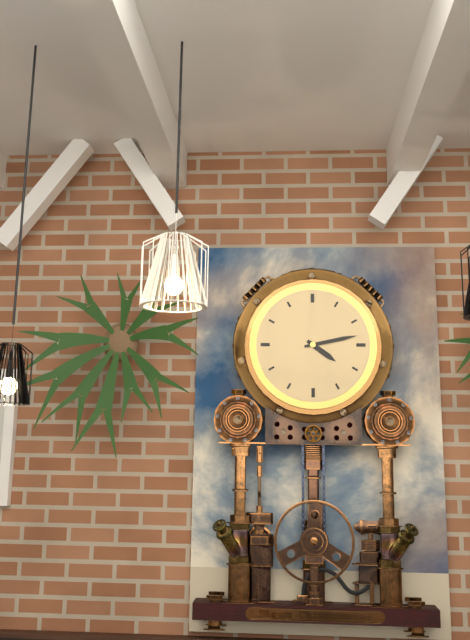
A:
4:13
